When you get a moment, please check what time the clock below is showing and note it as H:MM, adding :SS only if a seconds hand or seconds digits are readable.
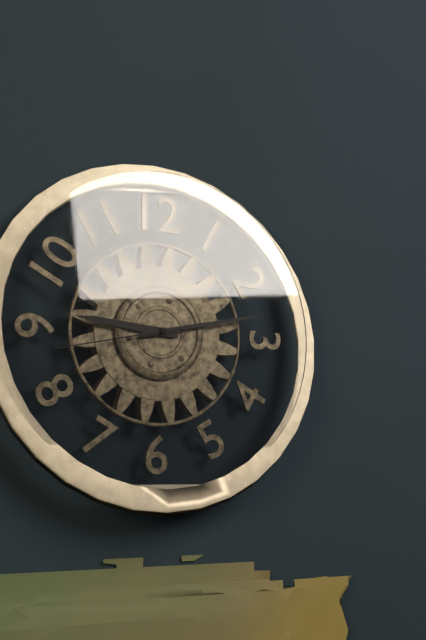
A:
9:13:43
